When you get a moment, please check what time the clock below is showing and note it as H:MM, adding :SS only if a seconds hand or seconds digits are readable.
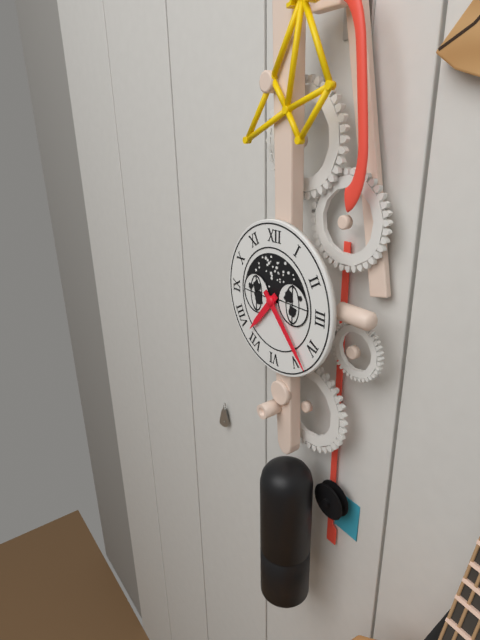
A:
7:23
